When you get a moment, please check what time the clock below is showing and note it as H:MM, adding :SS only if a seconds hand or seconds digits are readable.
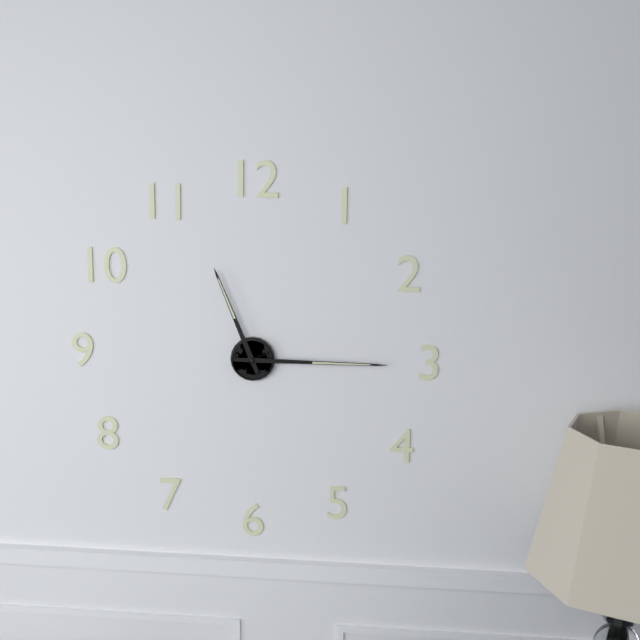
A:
11:15
